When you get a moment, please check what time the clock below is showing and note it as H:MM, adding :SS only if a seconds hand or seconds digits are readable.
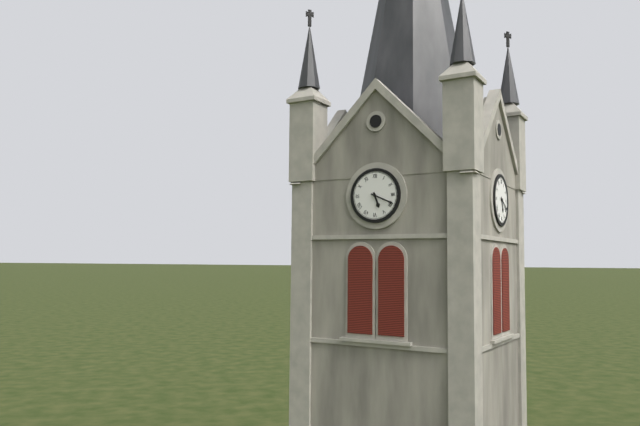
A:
5:19
